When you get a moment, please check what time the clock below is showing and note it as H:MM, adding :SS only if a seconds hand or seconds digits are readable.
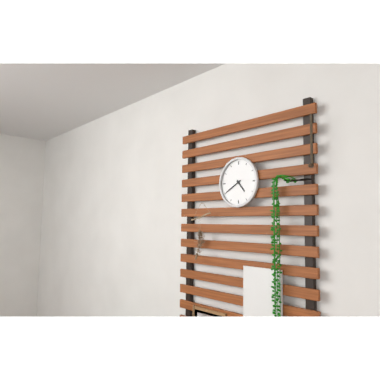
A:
4:40
